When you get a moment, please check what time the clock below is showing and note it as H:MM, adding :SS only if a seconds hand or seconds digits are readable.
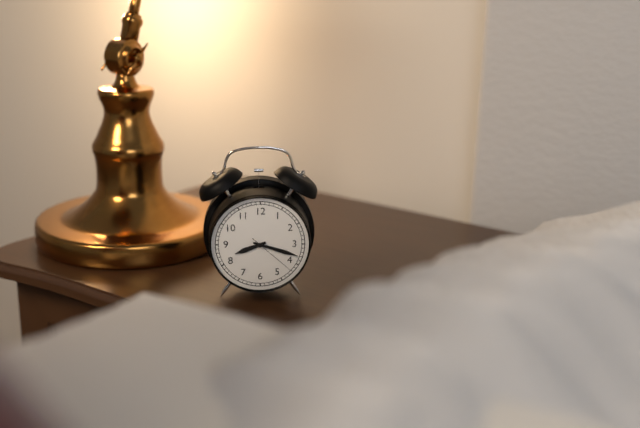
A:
8:18:22
